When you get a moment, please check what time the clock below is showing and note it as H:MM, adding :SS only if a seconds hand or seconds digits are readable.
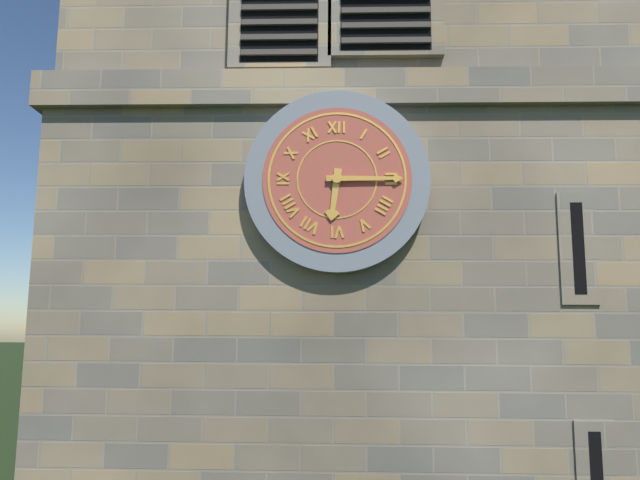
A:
6:15
